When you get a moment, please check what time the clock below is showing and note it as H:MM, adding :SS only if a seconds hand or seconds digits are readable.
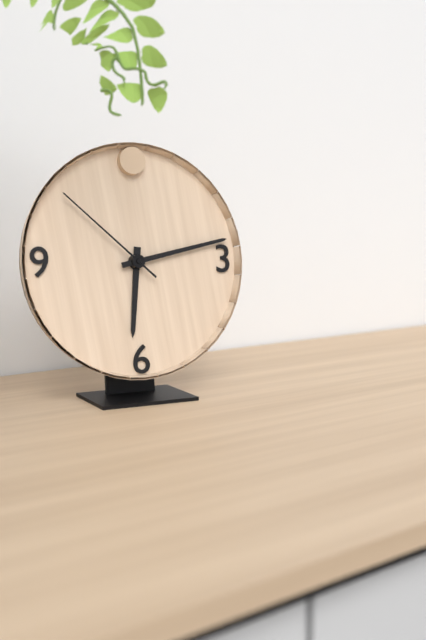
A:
6:13:52
